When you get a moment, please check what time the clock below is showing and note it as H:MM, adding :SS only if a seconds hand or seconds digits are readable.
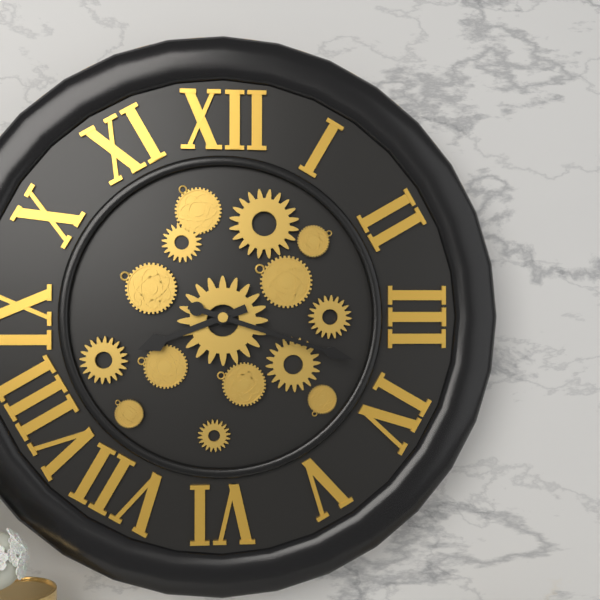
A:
8:18
